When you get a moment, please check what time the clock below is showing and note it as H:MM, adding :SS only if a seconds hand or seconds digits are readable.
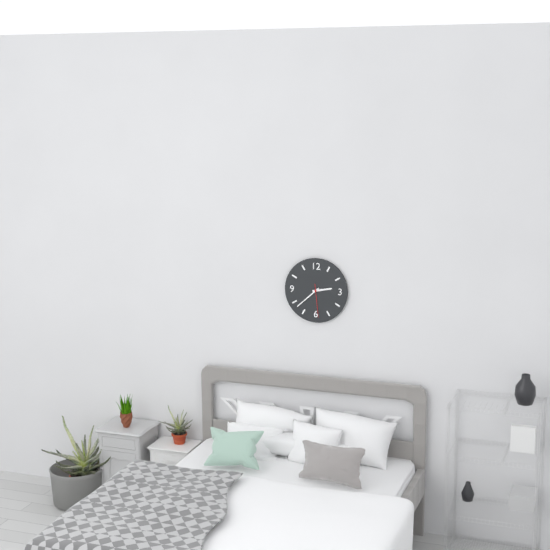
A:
2:38
